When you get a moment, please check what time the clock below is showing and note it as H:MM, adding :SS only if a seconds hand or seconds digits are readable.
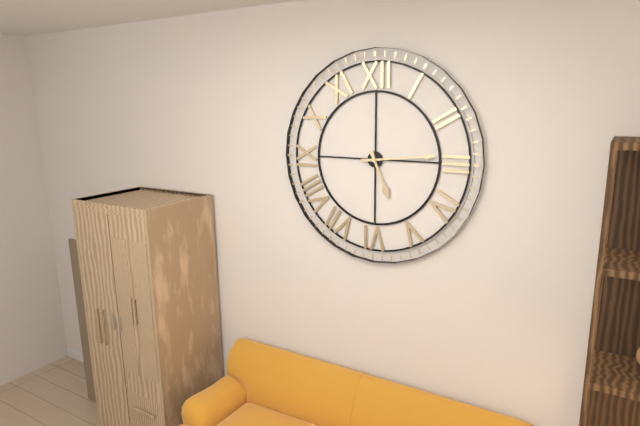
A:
5:14
